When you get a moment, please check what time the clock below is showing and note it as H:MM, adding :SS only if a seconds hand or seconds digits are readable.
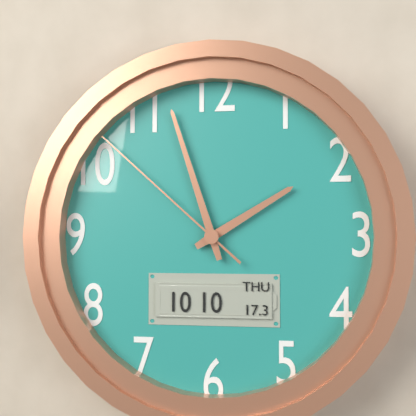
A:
1:57:52
